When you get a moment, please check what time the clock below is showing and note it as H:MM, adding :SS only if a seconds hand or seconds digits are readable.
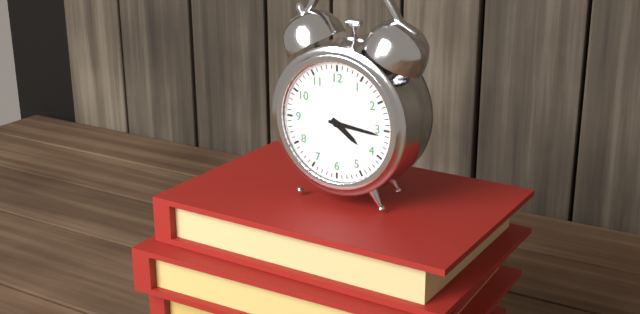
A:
4:16
